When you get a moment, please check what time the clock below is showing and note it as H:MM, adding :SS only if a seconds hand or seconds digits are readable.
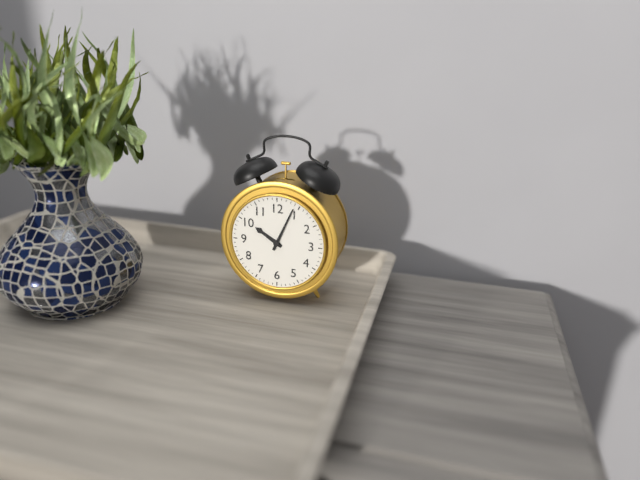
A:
10:04
